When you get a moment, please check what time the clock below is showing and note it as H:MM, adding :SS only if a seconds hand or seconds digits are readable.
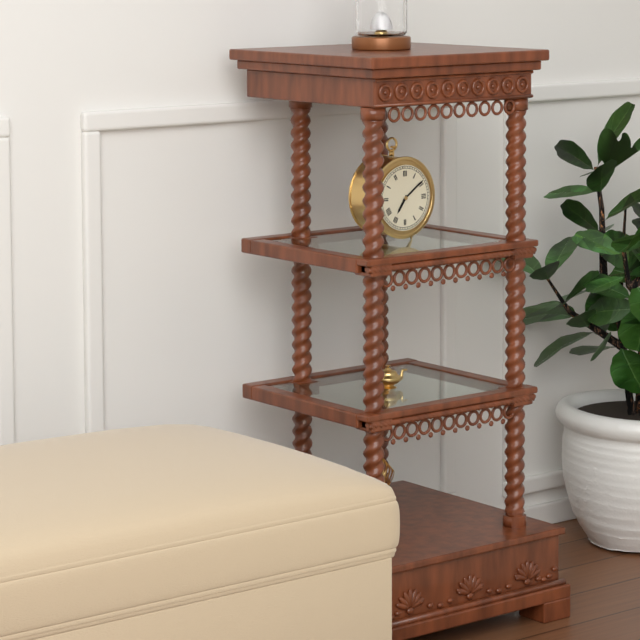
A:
7:09
